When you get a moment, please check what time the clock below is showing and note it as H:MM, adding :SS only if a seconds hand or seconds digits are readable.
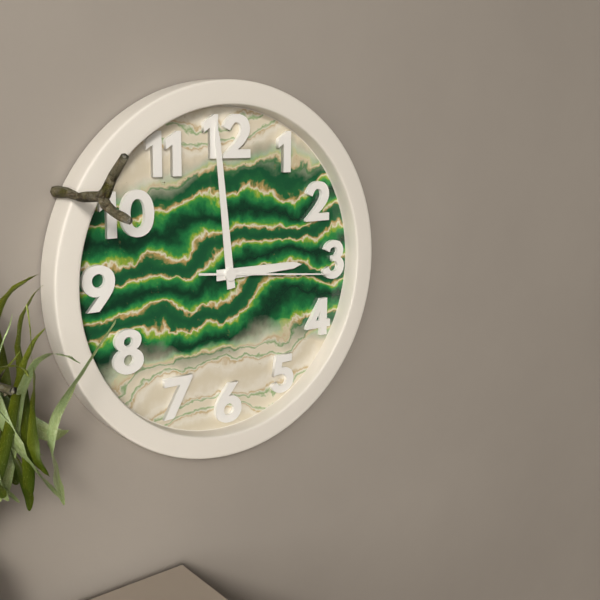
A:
2:59:16
